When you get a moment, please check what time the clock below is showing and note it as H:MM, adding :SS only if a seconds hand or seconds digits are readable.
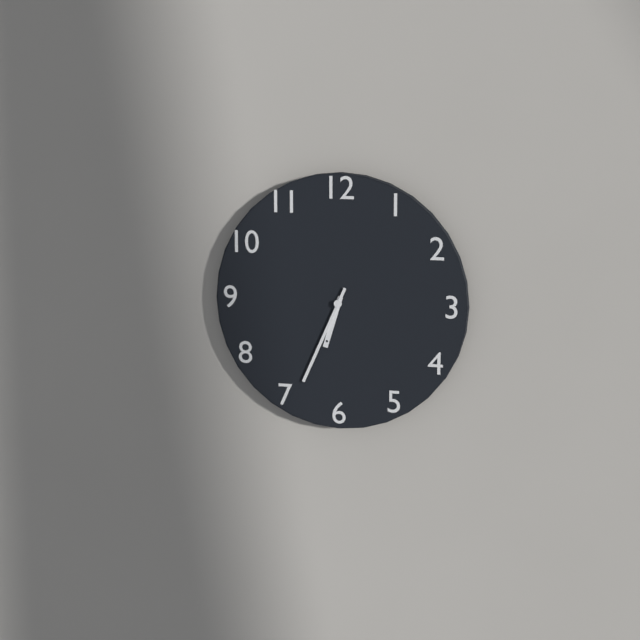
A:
6:34
